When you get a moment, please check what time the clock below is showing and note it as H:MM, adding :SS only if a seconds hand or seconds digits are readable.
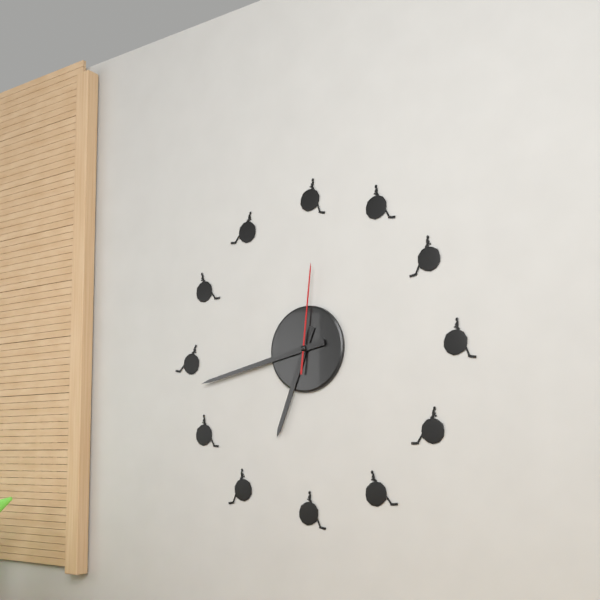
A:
6:43:01
